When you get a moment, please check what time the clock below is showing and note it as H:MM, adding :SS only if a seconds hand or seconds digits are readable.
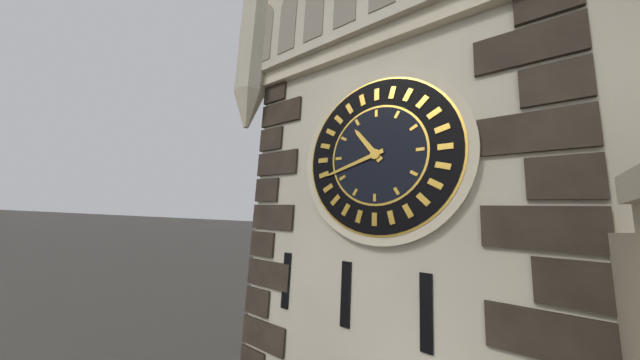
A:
10:42
